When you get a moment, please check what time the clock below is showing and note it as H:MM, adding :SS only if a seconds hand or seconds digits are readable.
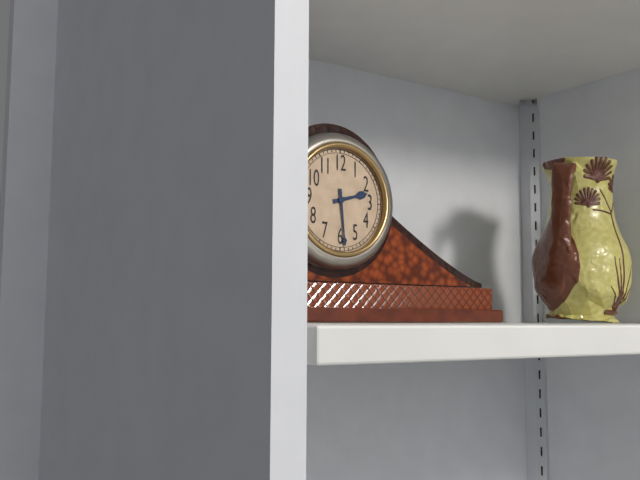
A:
2:29
